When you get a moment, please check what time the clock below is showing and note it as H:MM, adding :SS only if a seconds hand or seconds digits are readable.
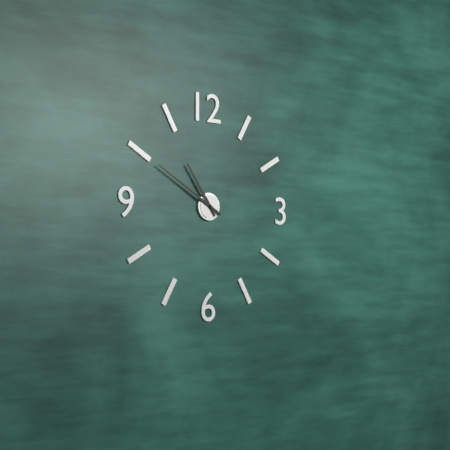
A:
10:50
